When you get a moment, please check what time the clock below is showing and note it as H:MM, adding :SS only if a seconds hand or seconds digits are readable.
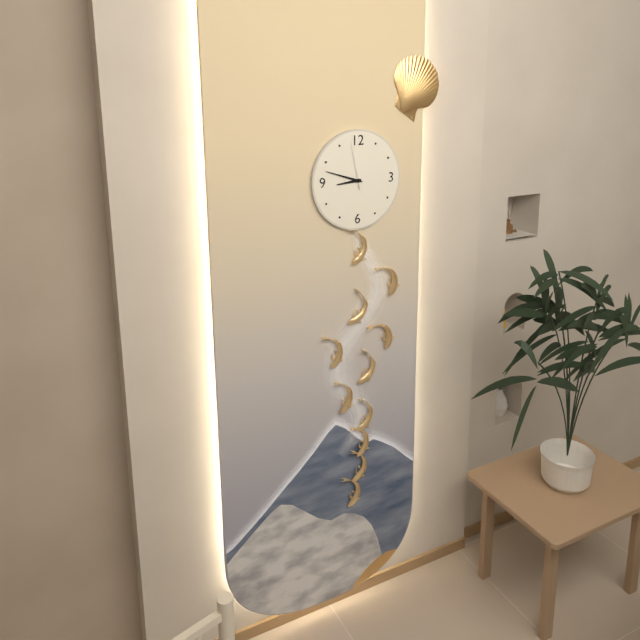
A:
8:48
